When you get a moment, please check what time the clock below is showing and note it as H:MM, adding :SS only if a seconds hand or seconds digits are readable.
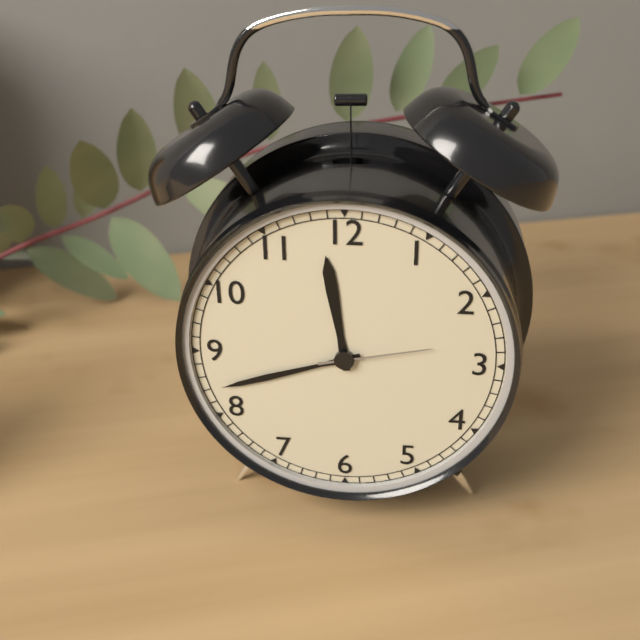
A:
11:42:13
